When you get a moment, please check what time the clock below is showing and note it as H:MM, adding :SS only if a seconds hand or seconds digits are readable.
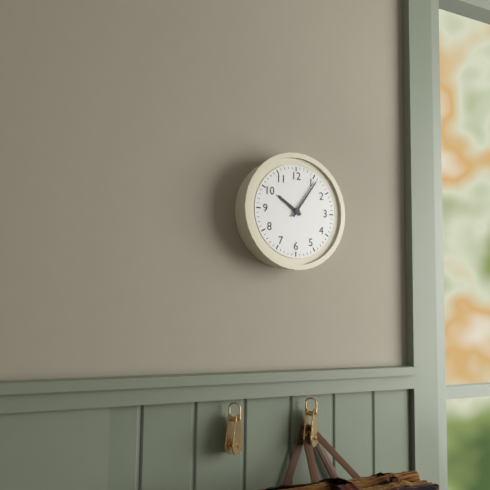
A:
10:06
